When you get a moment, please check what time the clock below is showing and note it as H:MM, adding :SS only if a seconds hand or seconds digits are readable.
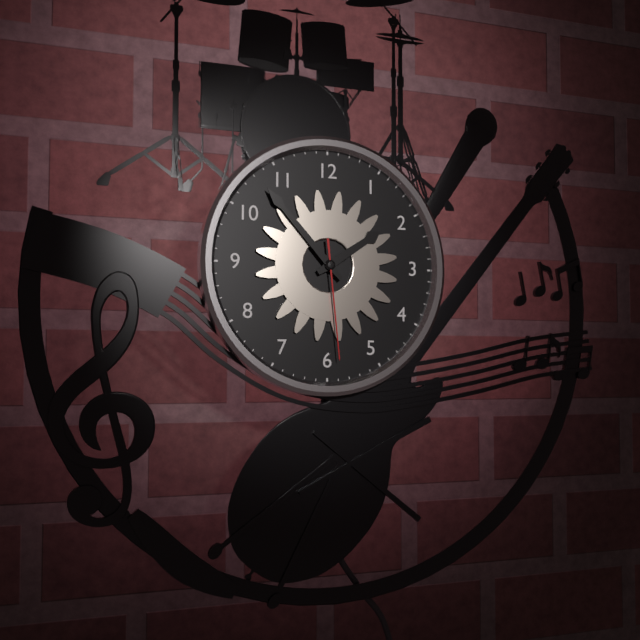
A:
1:53:29
